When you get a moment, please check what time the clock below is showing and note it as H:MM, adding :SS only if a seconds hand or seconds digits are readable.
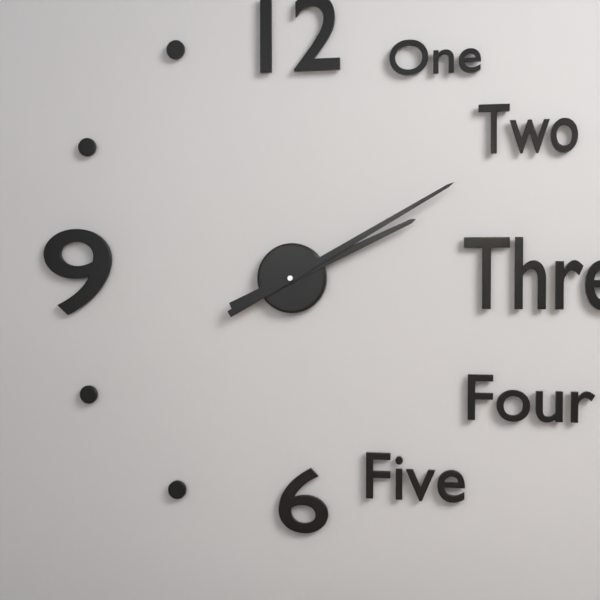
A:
2:10
